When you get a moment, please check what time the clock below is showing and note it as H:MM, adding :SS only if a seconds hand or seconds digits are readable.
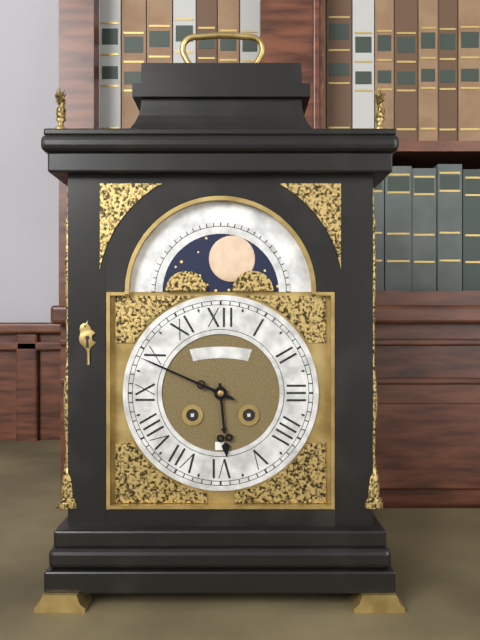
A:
5:49
